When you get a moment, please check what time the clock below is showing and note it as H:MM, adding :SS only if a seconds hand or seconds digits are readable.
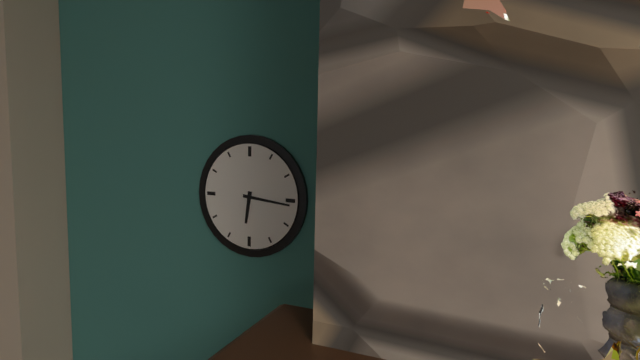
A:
6:16
